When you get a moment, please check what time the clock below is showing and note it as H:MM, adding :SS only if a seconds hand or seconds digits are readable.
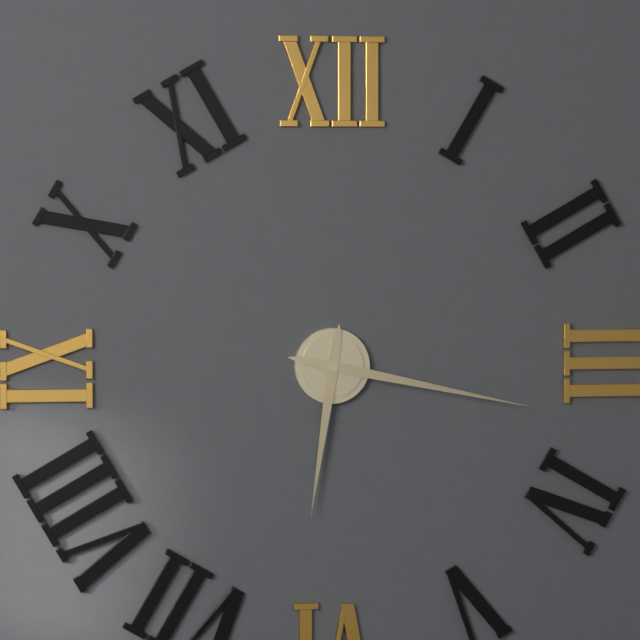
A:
6:17
